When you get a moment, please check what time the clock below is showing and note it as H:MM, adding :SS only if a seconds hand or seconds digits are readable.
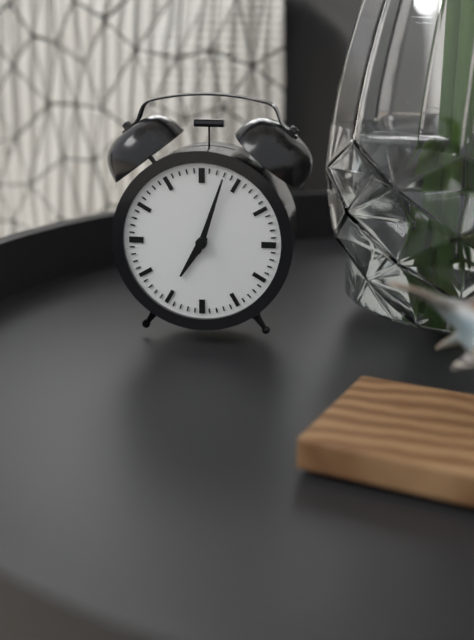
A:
7:03
